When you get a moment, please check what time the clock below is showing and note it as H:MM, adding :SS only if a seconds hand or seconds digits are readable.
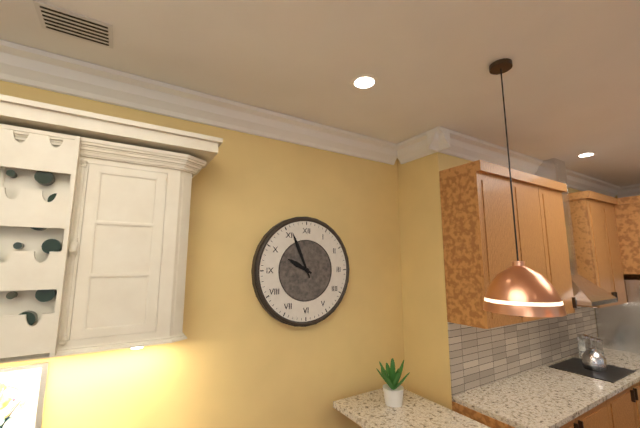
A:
9:56
